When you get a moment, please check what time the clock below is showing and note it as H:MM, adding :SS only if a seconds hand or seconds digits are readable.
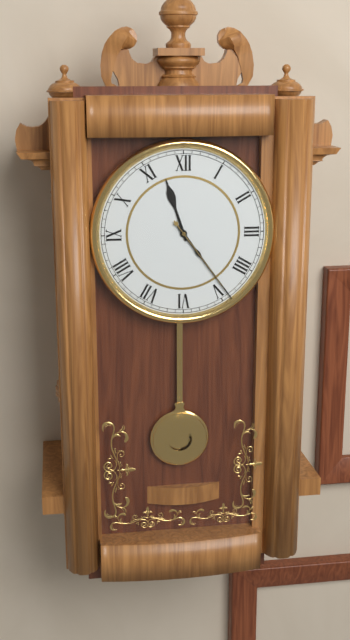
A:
11:24:24
